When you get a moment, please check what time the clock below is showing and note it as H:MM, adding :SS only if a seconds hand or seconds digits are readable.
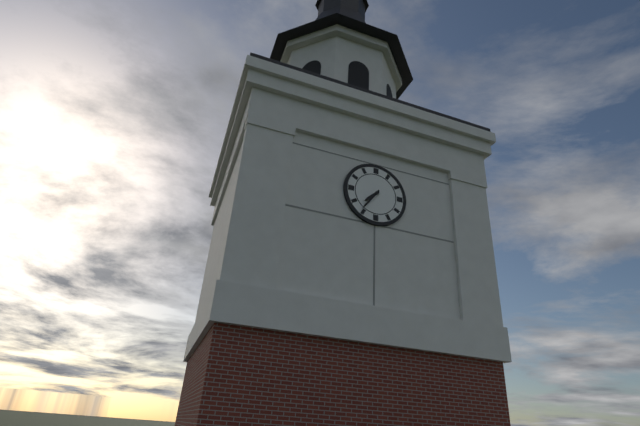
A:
7:36
